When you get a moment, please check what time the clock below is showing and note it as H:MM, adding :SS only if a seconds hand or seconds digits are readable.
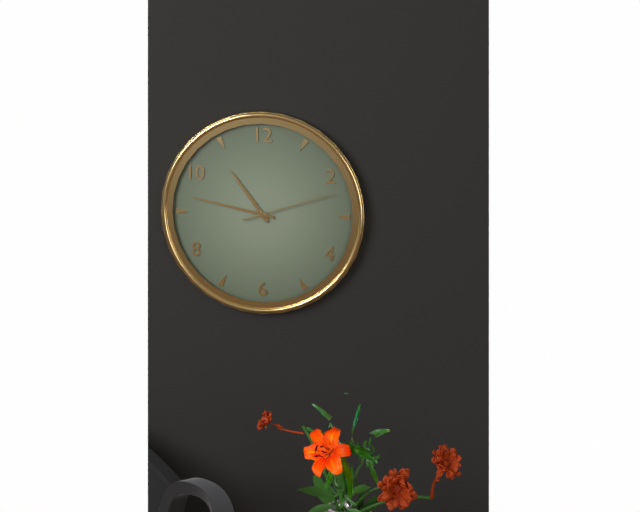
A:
10:47:12
